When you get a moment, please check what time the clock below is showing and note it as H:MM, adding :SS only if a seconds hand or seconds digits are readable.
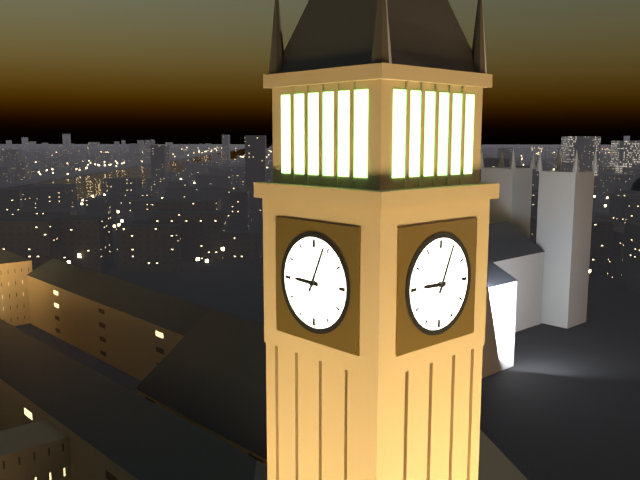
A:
9:04
